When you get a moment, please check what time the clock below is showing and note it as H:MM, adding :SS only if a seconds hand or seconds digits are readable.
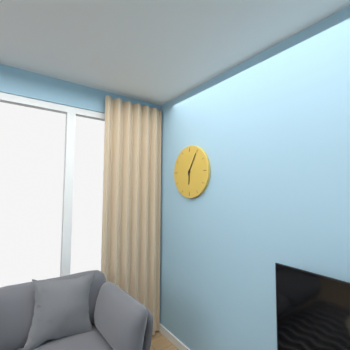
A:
6:05
